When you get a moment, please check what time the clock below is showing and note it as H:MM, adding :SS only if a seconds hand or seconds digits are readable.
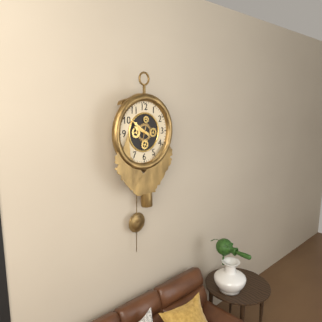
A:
9:51
